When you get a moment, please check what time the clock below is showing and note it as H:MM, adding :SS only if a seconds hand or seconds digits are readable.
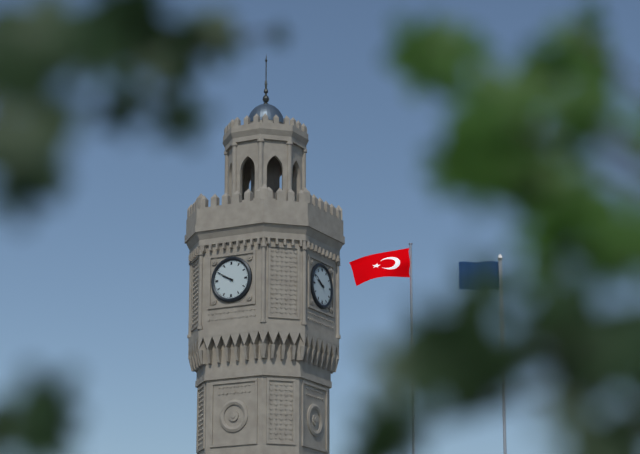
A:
9:50
